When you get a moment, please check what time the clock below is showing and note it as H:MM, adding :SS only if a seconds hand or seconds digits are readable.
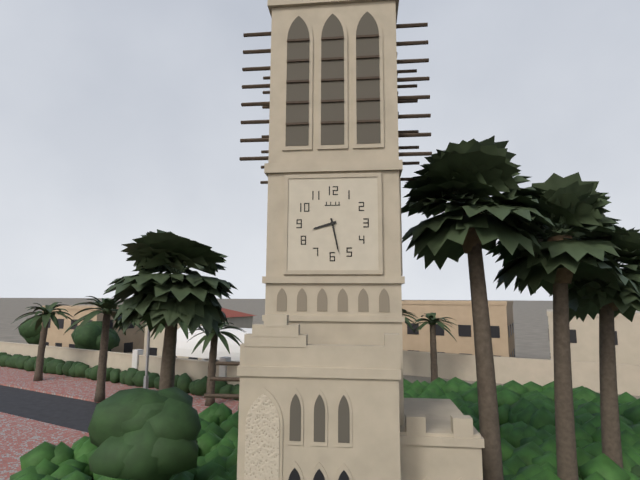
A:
8:28
